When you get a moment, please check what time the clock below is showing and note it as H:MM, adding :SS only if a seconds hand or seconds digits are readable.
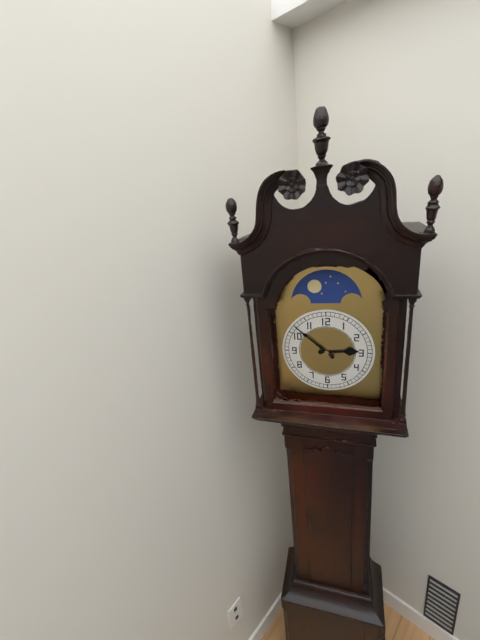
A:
2:52
